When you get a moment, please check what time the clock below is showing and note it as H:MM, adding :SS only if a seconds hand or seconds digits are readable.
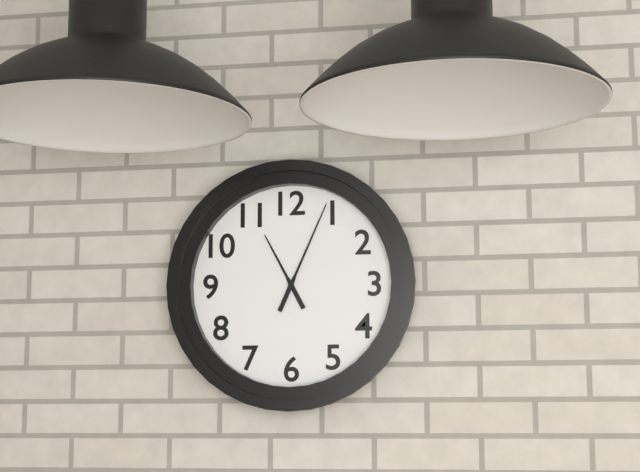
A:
11:04
